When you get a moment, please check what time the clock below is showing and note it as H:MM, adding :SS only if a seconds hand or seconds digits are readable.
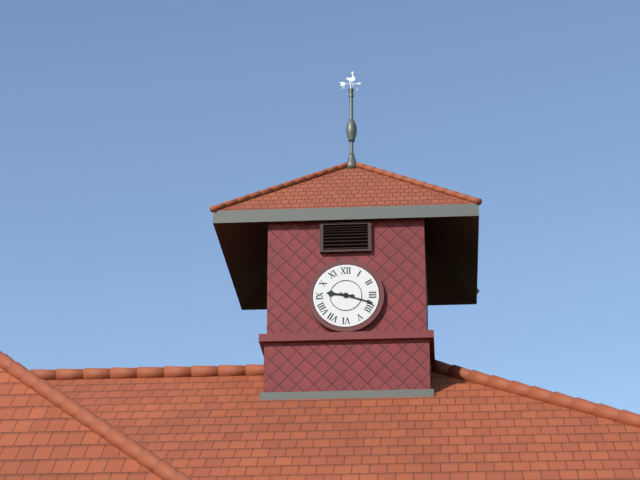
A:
9:18
